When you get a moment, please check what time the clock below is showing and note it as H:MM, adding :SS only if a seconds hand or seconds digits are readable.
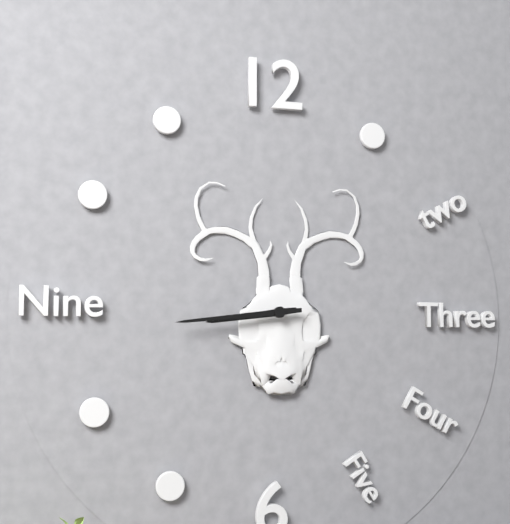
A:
8:44
